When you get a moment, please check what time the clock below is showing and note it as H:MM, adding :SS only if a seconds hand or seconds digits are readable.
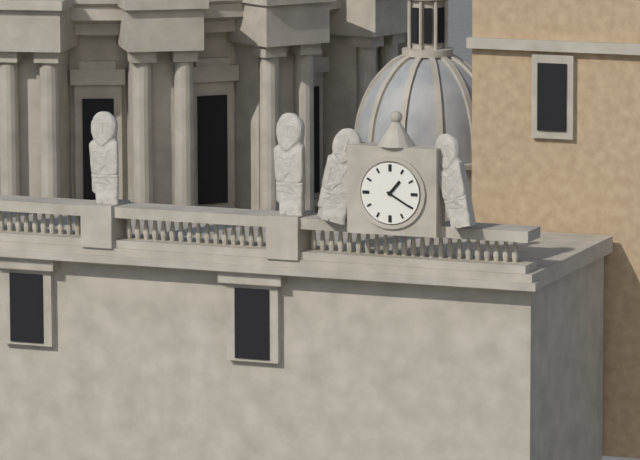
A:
1:20
